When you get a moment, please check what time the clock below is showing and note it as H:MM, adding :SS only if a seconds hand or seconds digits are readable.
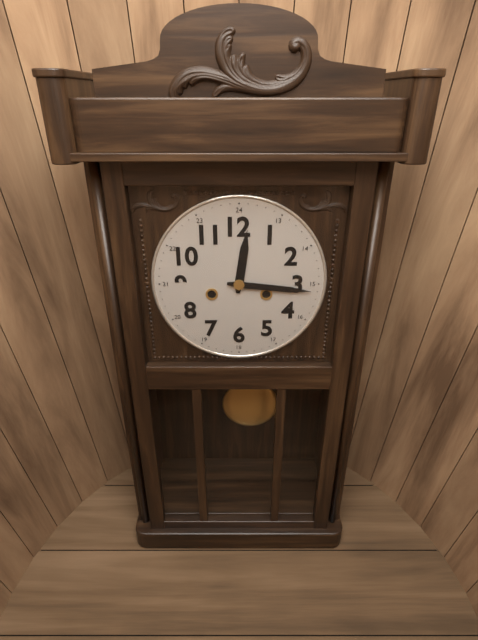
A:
12:16
